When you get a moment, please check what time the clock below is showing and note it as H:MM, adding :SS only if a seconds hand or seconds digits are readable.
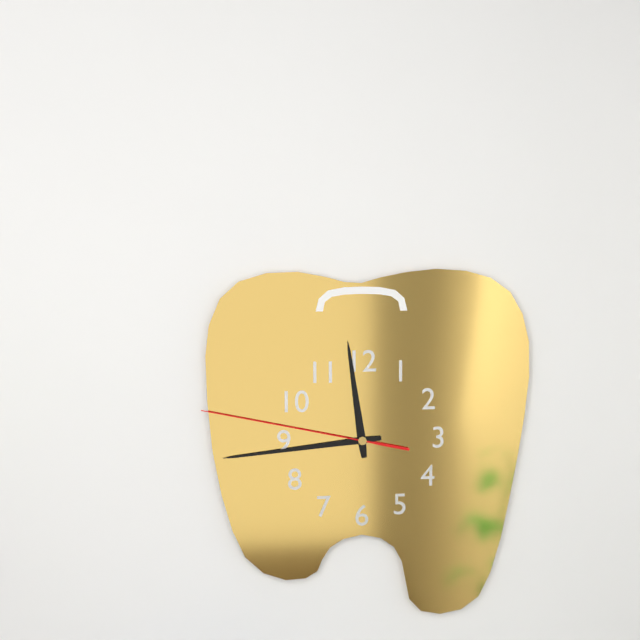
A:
11:44:47
